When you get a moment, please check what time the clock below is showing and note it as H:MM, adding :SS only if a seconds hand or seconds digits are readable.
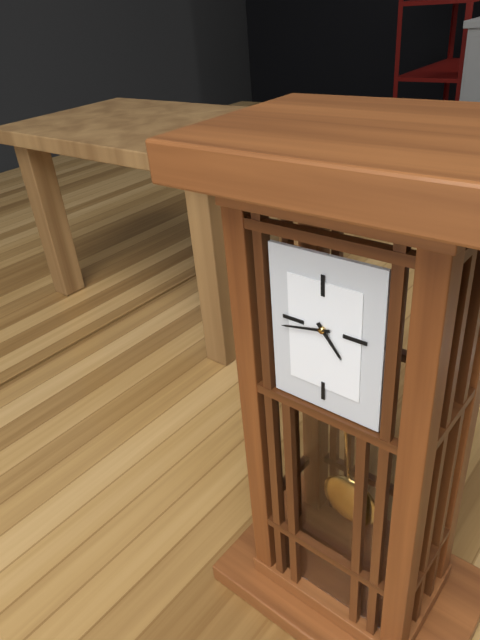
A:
4:43
